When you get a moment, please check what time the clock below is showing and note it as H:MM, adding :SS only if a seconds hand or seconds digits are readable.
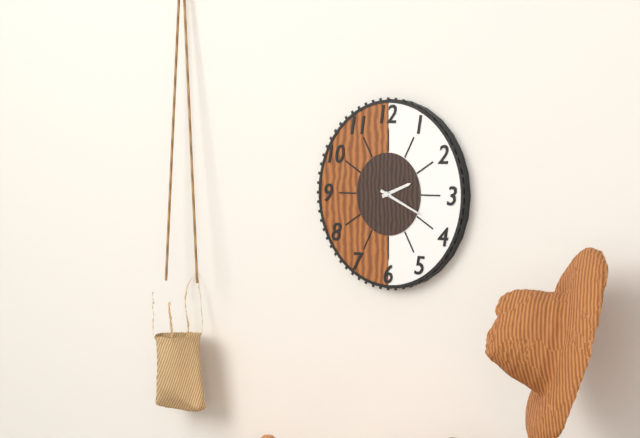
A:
2:19
